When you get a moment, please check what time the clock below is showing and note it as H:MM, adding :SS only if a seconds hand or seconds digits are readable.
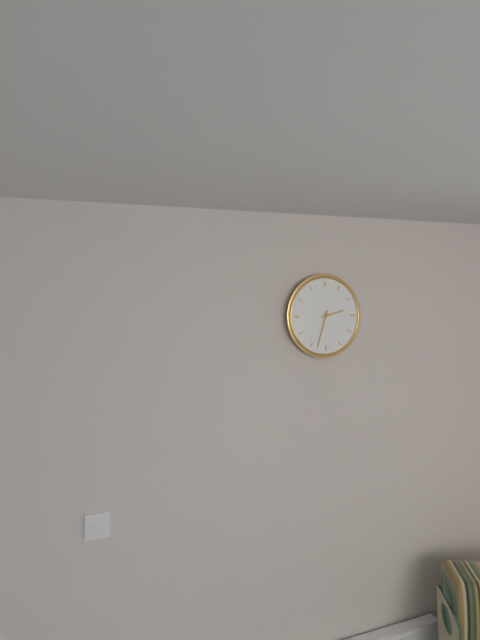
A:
2:33
